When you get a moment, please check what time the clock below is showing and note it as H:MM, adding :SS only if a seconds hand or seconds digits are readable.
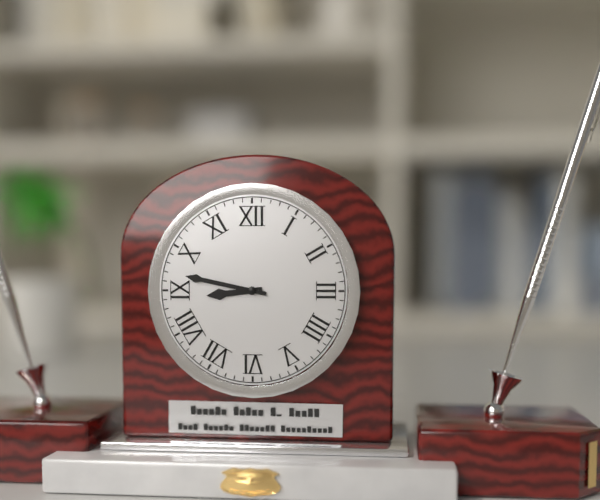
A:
8:47
